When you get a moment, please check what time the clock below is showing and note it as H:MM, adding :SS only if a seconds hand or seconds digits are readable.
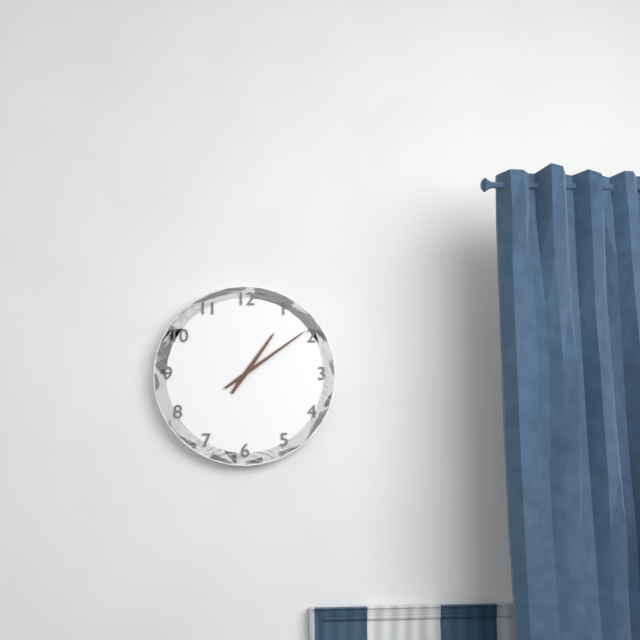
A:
1:09
